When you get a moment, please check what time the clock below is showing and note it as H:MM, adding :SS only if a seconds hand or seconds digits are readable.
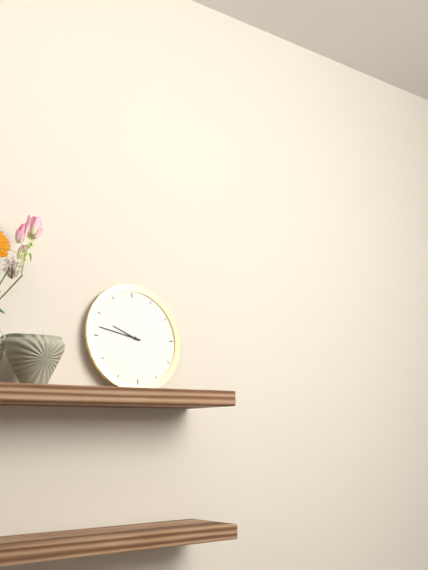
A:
9:47
